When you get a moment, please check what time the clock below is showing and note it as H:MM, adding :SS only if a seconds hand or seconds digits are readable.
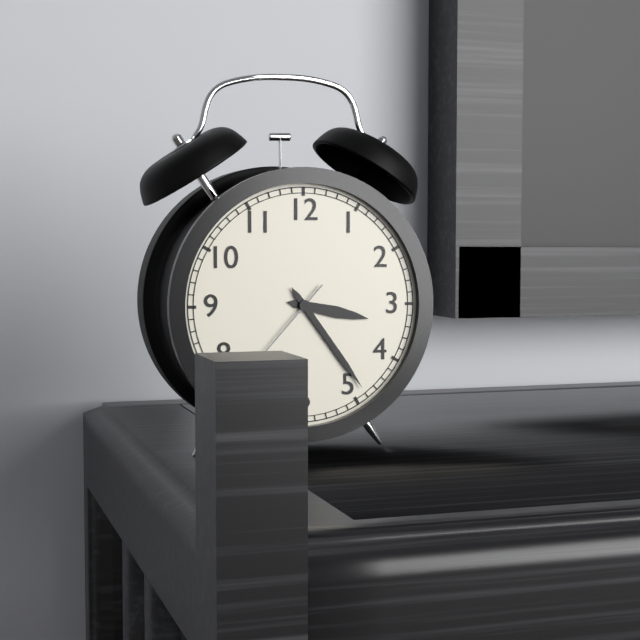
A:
3:24
